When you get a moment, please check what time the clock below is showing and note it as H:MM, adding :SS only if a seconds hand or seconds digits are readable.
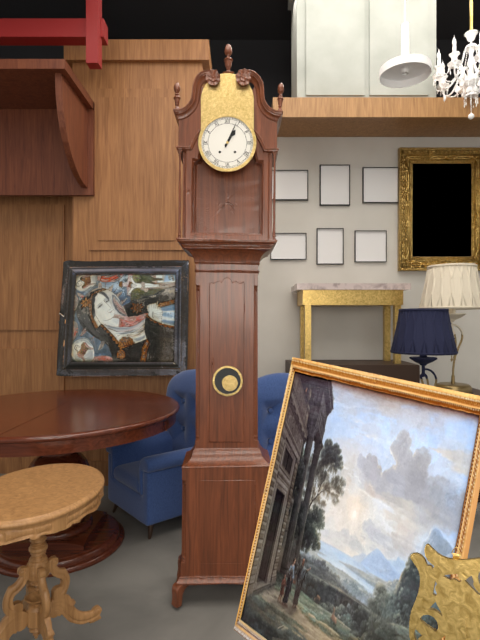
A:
1:04
